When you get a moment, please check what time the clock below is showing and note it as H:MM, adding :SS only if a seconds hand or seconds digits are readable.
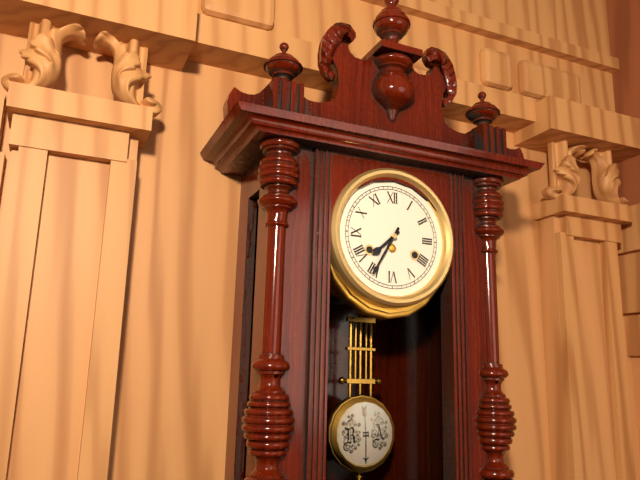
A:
7:35
